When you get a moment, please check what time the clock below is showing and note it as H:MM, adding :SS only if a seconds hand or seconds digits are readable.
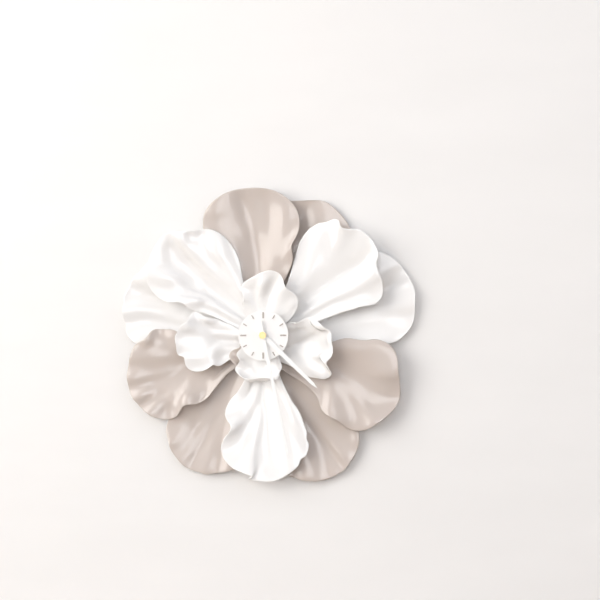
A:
4:28
